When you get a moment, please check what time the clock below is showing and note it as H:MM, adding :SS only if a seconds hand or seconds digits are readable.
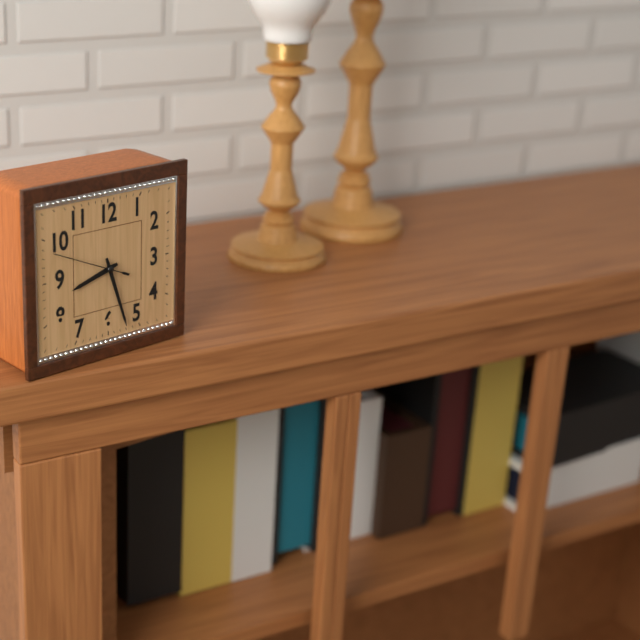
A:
8:27:49
